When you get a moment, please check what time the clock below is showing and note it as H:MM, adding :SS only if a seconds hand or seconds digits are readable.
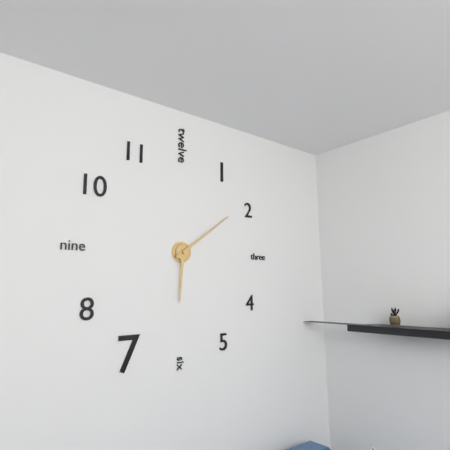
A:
6:09
